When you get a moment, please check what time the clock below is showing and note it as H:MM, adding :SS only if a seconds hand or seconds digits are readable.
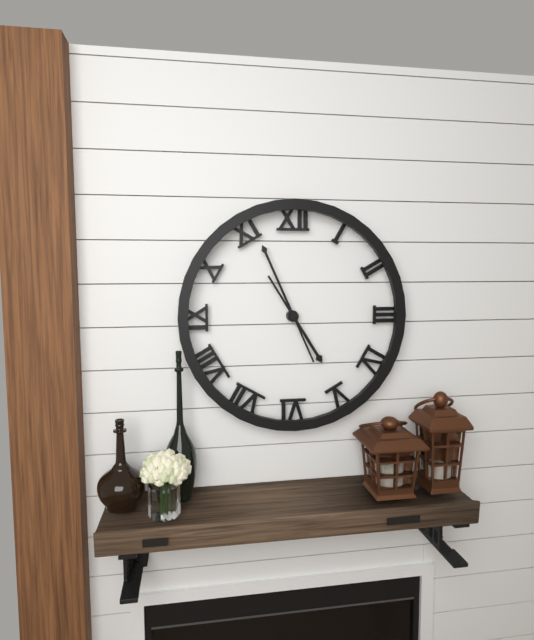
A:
4:56
